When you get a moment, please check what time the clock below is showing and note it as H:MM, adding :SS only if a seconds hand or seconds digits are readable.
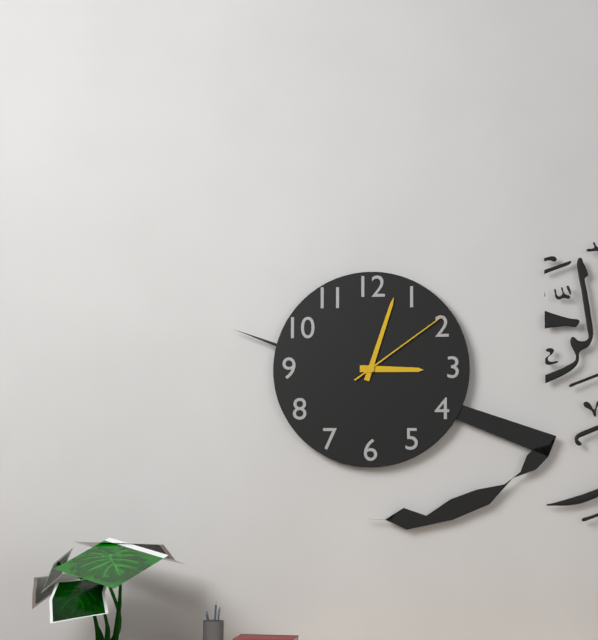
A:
3:03:09
